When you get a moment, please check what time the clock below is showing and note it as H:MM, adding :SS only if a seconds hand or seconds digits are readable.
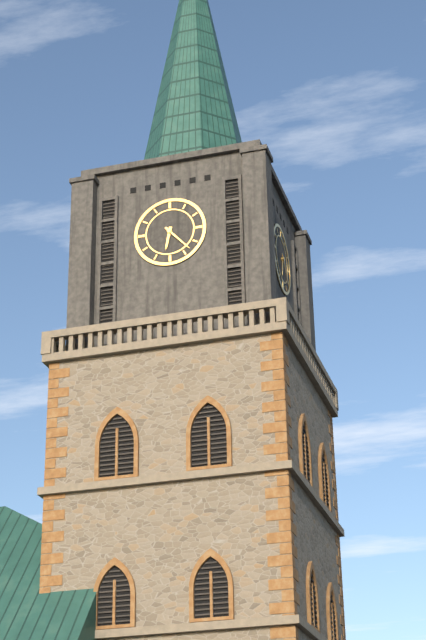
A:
6:23
